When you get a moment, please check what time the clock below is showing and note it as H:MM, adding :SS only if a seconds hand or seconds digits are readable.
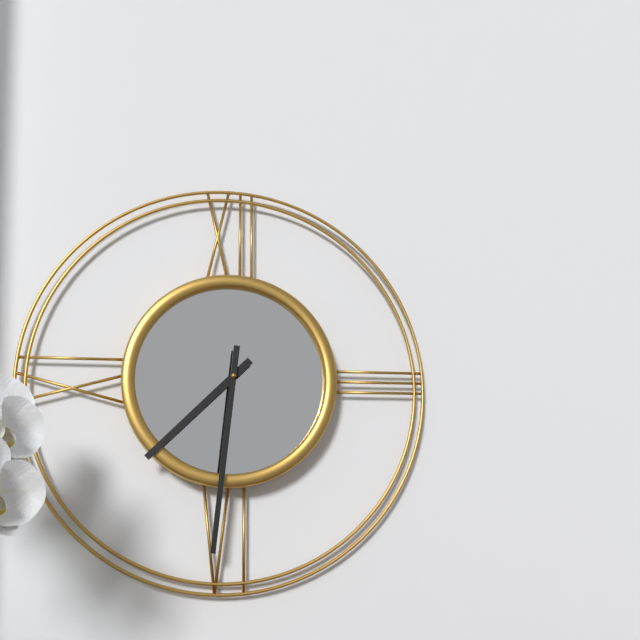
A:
7:31
